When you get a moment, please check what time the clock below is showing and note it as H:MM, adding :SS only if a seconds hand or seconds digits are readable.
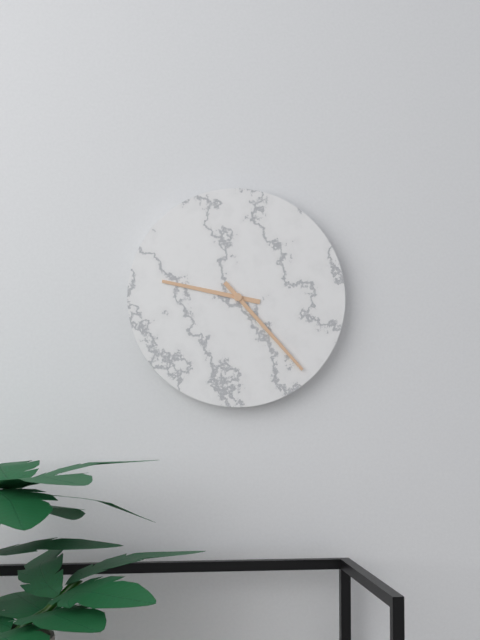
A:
9:23
